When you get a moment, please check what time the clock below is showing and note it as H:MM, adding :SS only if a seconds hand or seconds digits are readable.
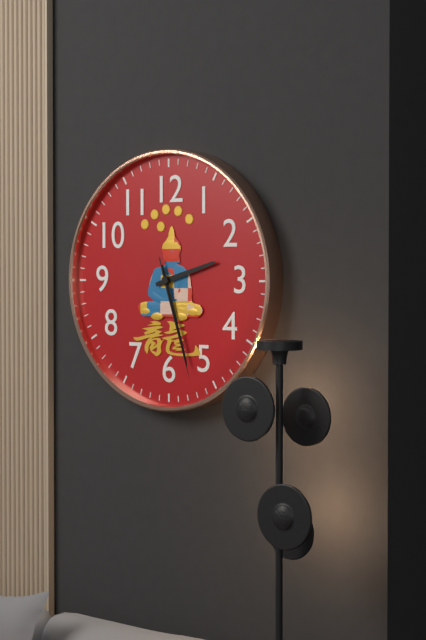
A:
2:27:27
